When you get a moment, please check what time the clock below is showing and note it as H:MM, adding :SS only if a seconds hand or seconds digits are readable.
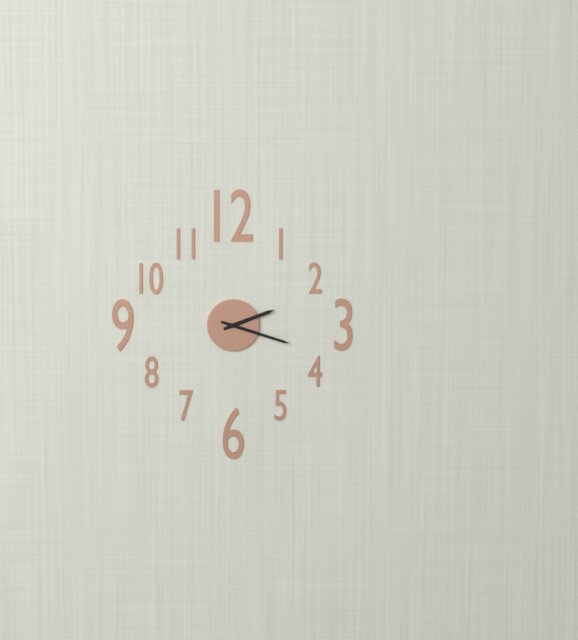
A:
2:18
